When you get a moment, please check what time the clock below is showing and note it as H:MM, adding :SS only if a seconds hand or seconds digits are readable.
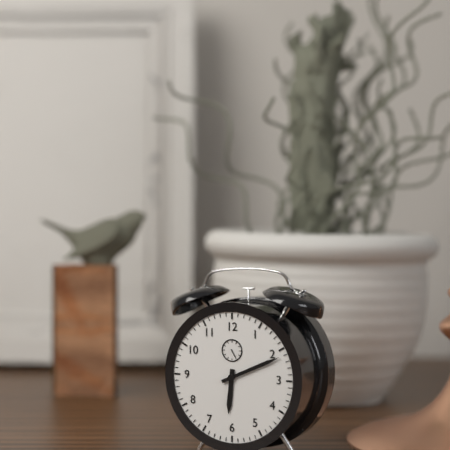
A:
6:11
